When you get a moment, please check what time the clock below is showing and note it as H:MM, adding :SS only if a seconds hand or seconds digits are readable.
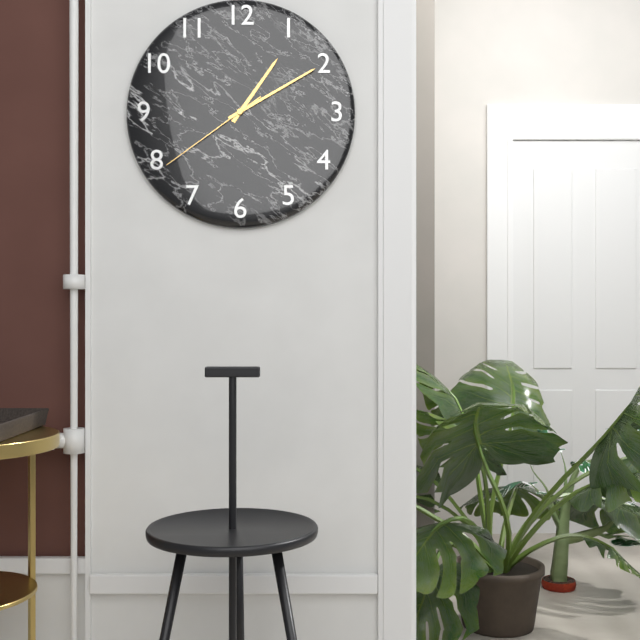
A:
1:10:39
